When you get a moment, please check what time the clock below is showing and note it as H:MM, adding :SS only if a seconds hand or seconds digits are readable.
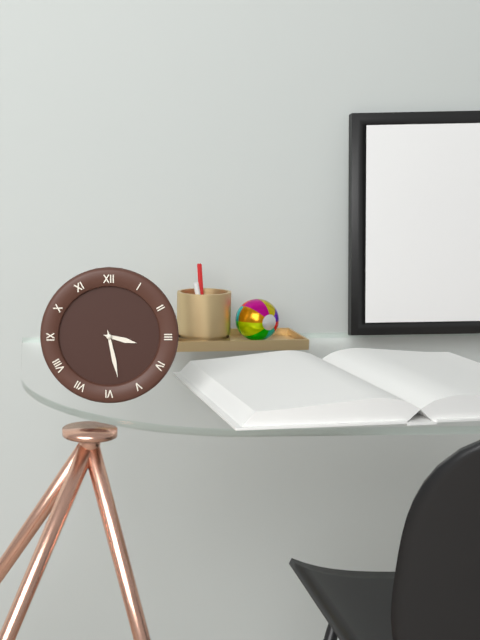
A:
3:28
